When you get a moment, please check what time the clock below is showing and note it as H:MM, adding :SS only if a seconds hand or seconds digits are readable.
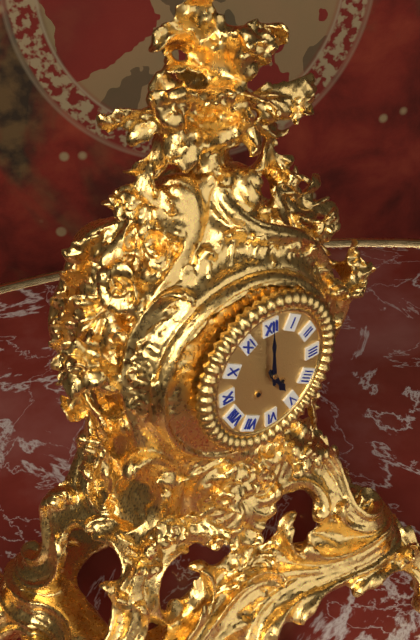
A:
5:00
